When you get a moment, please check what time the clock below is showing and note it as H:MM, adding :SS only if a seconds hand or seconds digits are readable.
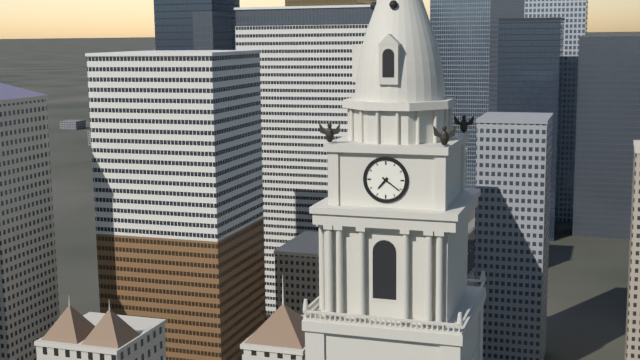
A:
7:21
